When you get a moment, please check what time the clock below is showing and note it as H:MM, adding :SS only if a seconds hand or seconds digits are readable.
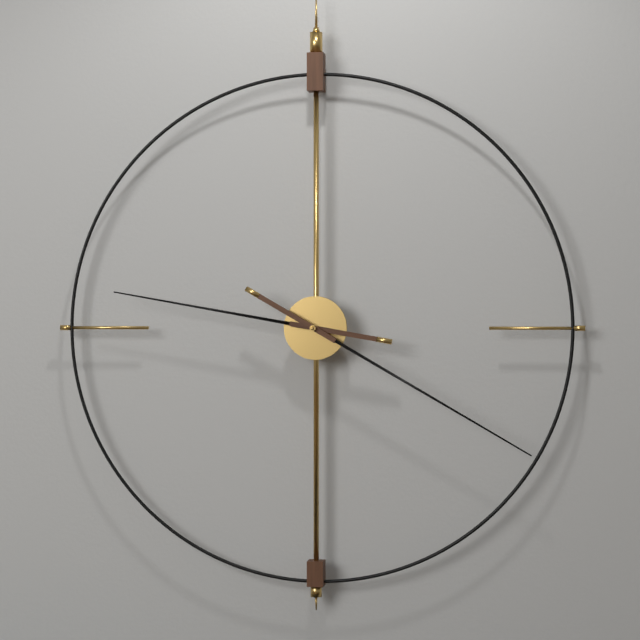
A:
9:20
